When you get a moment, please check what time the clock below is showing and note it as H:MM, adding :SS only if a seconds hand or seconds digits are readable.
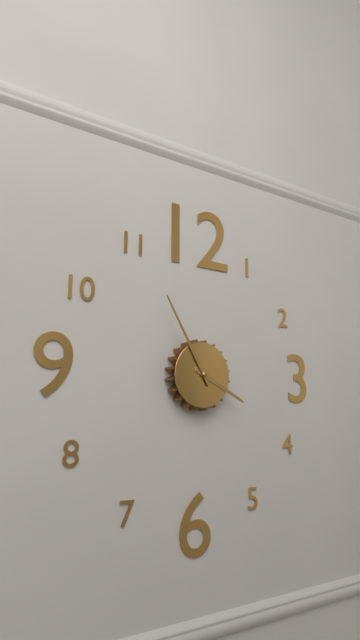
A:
3:55
